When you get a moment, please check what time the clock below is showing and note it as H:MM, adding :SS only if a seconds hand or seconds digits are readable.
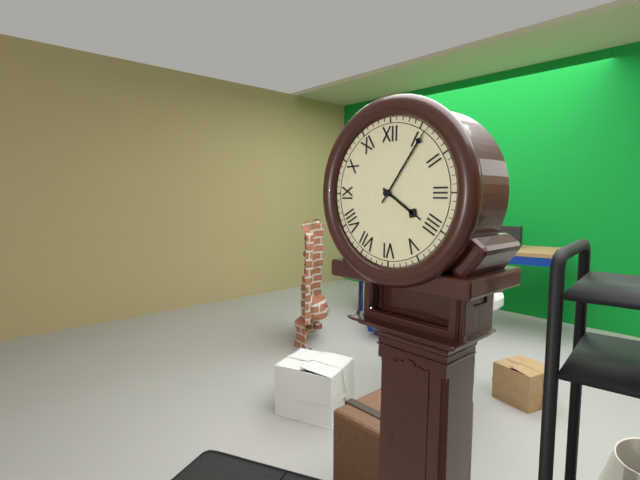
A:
4:06
